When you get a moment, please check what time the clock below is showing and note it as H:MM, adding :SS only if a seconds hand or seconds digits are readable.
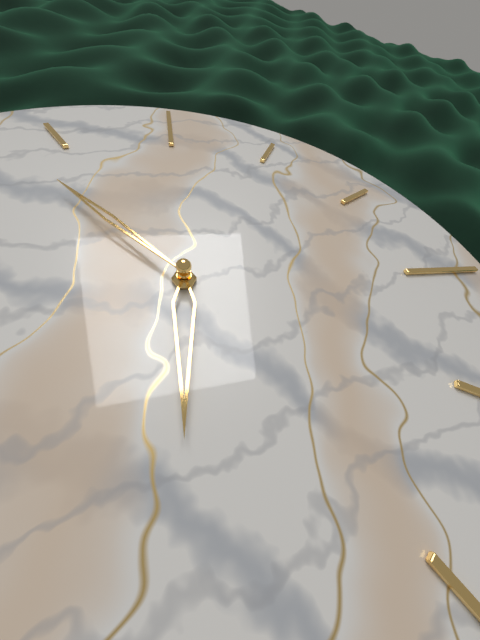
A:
9:08
